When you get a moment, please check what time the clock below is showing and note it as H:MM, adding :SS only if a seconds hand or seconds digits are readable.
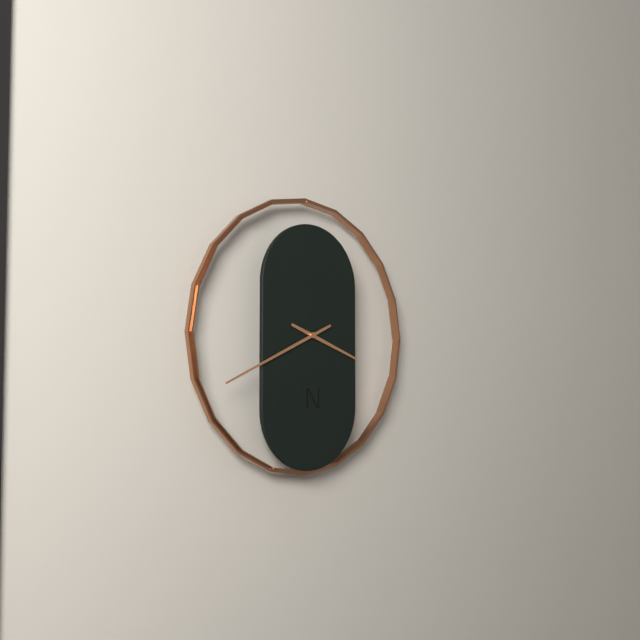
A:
3:41
